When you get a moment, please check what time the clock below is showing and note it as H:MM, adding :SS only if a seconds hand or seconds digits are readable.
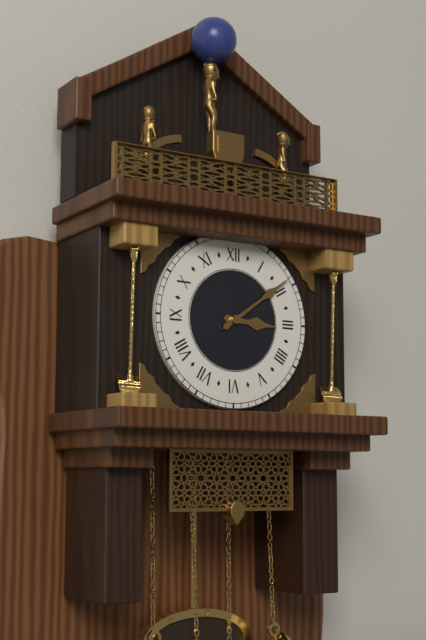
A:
3:09
